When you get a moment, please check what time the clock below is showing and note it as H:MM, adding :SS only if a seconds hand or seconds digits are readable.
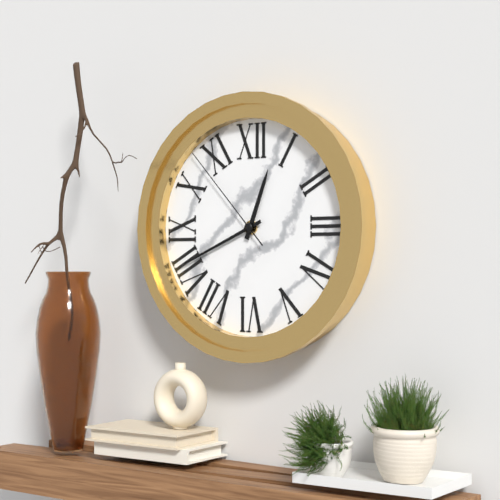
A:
12:41:53
